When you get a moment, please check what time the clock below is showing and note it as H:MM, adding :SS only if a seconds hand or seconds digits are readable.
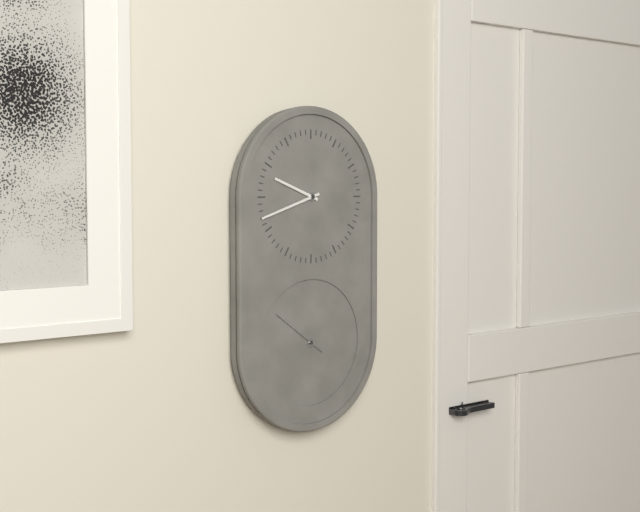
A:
9:42:51
